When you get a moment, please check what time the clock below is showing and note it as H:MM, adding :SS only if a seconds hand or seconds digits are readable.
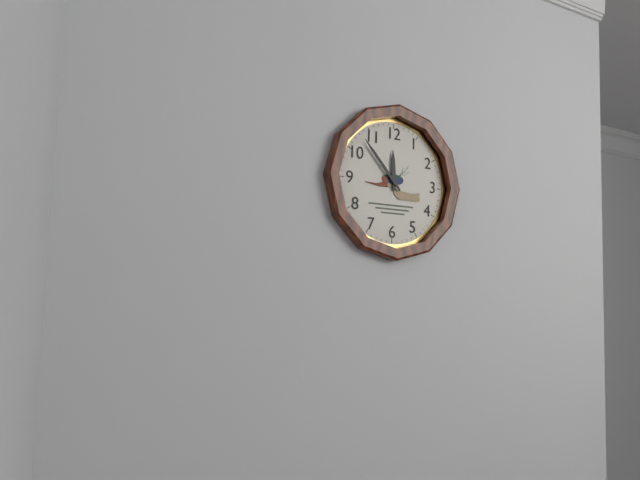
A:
11:53
